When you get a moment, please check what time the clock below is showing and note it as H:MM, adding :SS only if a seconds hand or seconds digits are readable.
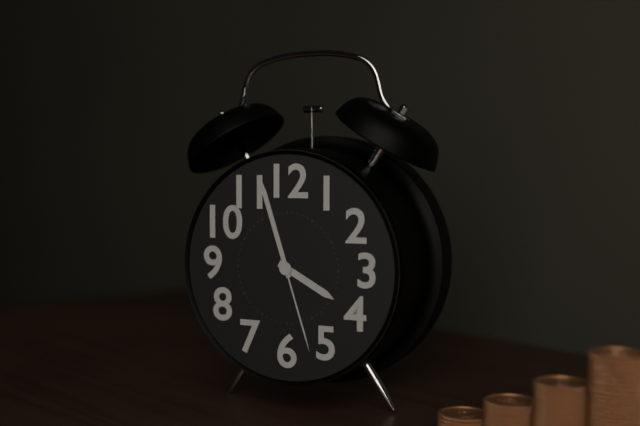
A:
3:57:27
